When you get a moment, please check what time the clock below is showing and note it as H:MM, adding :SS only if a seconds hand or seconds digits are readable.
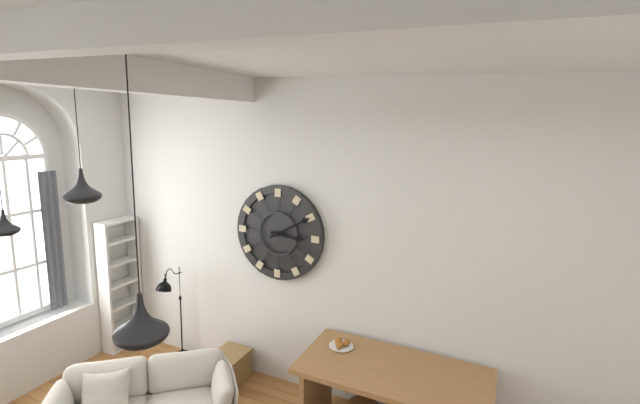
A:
3:10
